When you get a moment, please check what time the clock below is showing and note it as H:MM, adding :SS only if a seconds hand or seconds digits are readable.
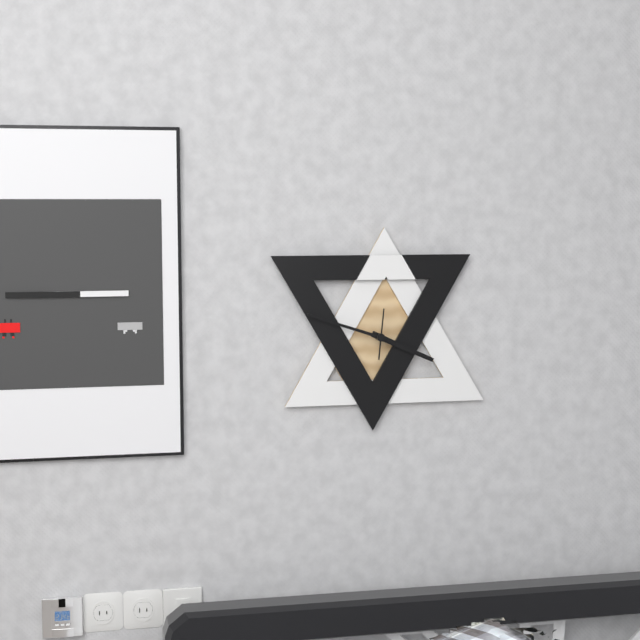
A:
3:48
